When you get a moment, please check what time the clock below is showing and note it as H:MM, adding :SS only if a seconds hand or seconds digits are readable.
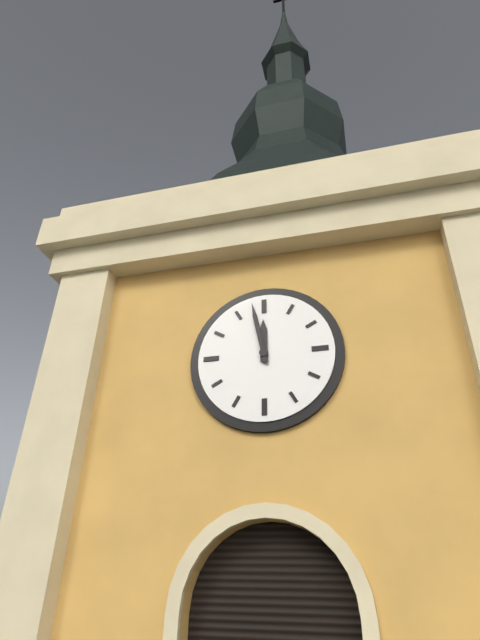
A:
11:58
